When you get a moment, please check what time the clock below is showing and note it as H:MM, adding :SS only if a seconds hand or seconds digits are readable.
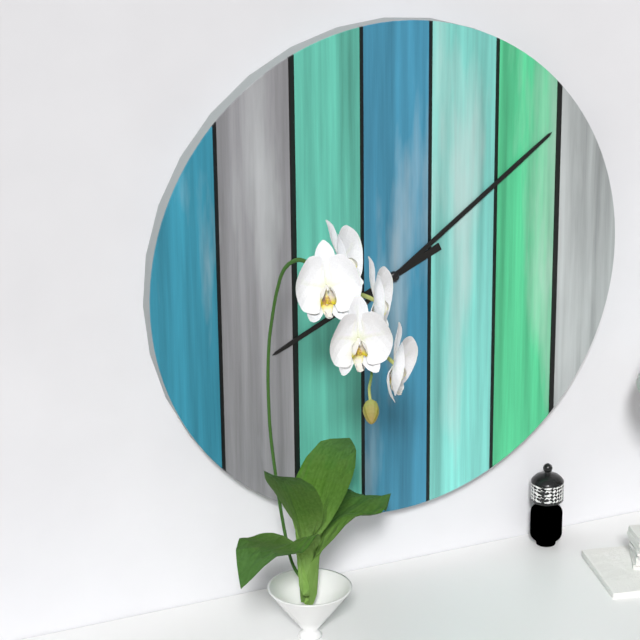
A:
8:09
